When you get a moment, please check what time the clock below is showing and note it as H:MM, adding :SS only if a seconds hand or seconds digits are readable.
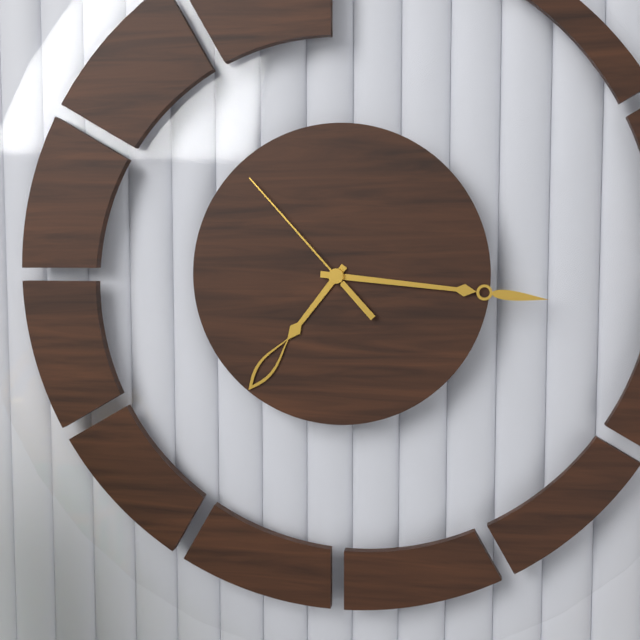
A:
7:16:53
